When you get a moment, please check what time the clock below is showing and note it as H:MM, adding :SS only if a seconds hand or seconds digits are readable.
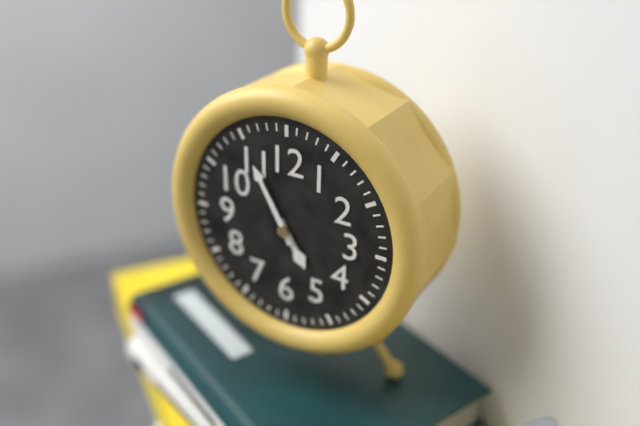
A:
4:55
